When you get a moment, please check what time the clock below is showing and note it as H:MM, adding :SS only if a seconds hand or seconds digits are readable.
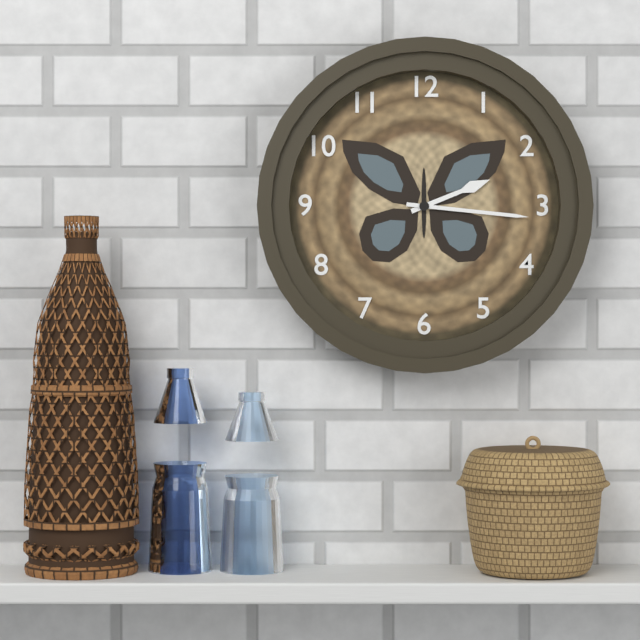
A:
2:16
